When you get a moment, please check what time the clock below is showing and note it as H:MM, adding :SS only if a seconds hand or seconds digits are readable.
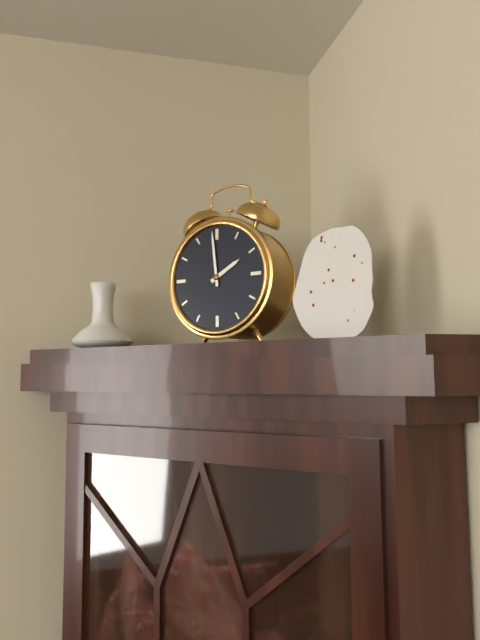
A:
1:59
